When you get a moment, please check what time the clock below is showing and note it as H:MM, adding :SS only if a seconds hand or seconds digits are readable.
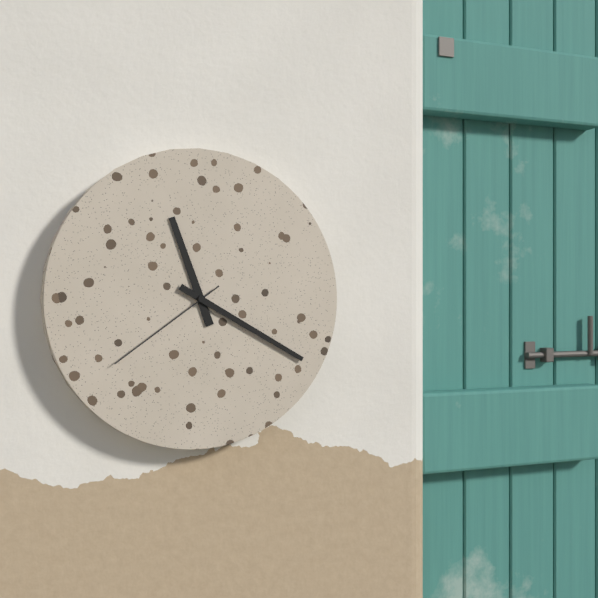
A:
11:20:39
